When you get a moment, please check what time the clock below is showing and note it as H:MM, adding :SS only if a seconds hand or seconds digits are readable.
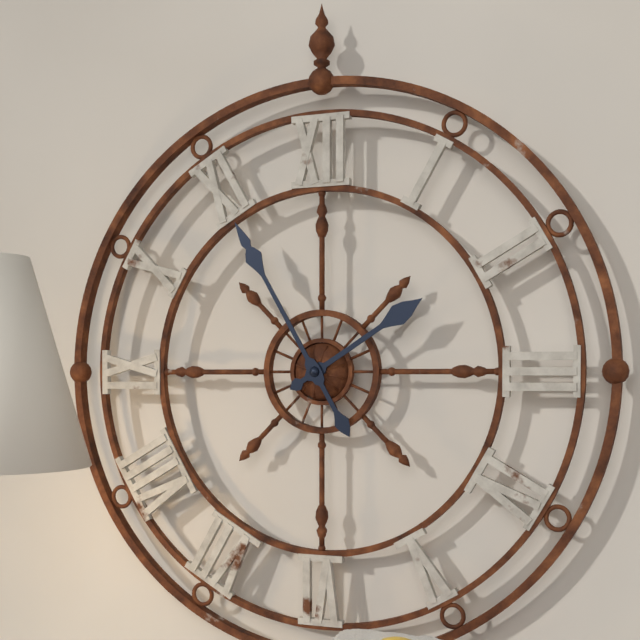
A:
1:55
